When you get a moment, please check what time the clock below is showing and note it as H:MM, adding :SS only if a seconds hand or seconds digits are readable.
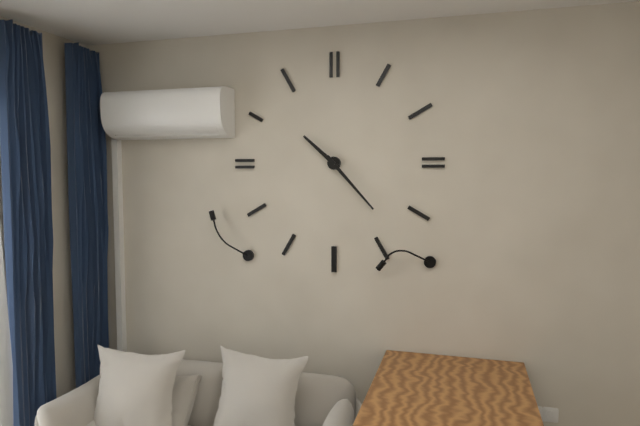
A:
10:23
